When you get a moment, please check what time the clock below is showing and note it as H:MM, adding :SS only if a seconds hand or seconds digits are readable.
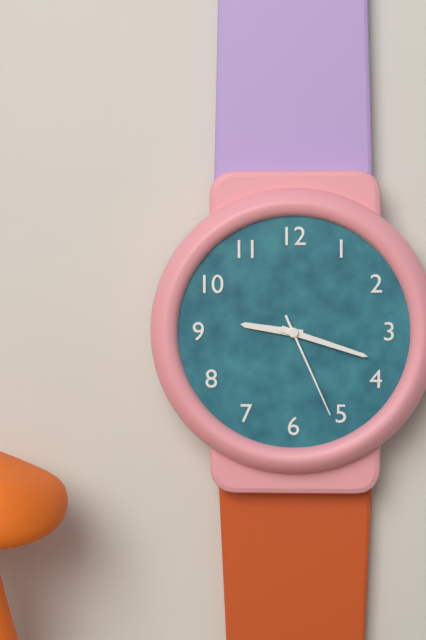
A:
9:18:26
